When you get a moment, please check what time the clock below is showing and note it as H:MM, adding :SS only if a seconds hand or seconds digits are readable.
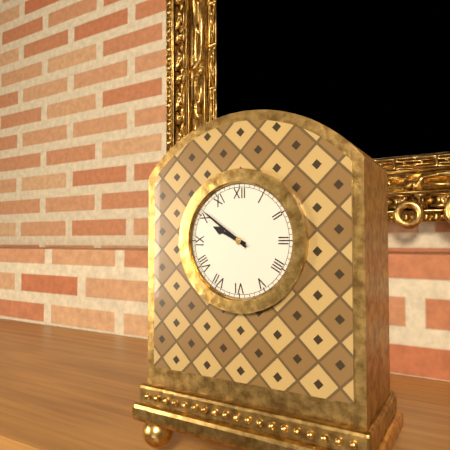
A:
9:51
